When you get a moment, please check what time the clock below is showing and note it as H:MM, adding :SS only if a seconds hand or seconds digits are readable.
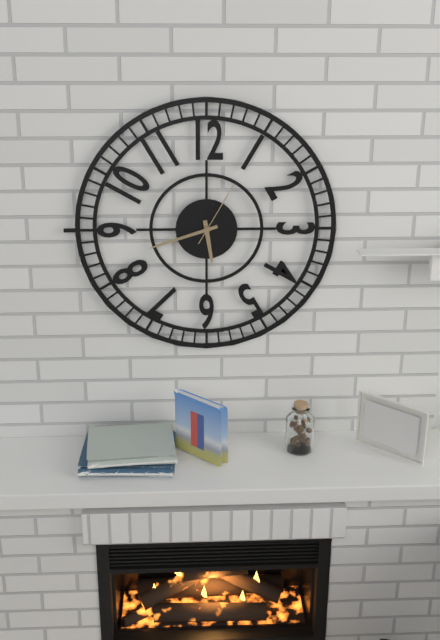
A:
5:42:05
